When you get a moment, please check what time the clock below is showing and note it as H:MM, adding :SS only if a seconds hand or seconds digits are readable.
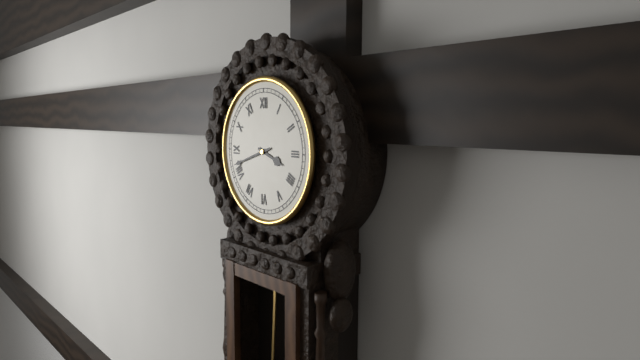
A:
3:42
